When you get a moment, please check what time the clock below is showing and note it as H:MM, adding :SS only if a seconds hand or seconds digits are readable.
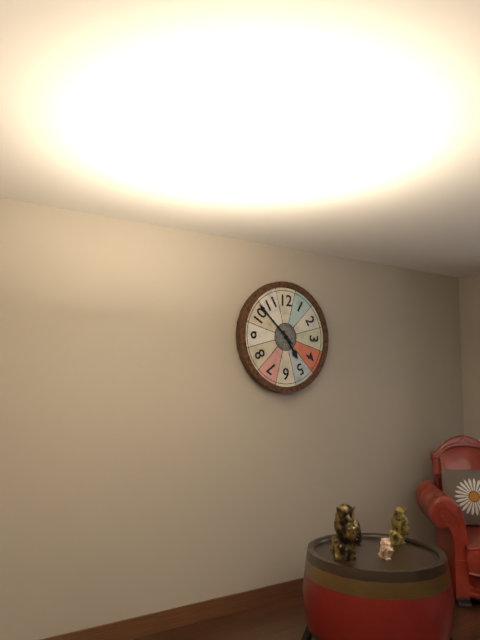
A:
4:52
